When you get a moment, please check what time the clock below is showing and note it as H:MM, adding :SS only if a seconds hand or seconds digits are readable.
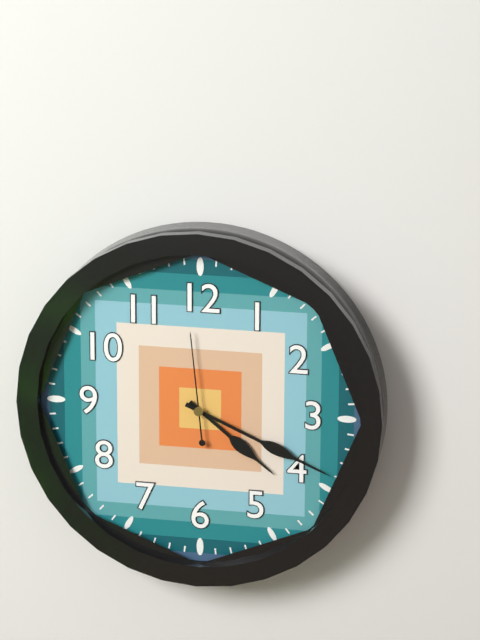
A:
4:19:59
